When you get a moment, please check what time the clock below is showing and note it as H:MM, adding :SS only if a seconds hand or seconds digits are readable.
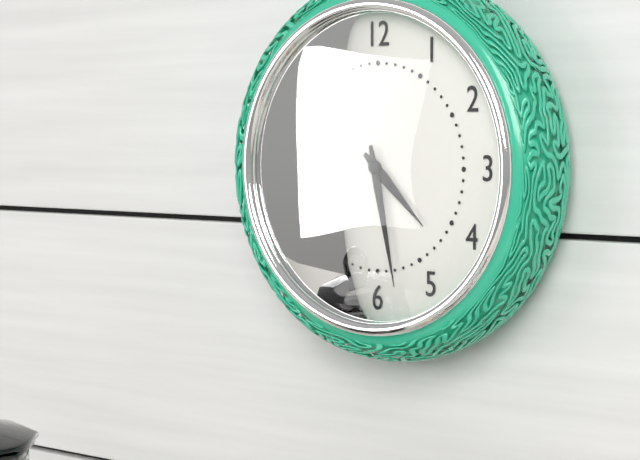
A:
4:28
